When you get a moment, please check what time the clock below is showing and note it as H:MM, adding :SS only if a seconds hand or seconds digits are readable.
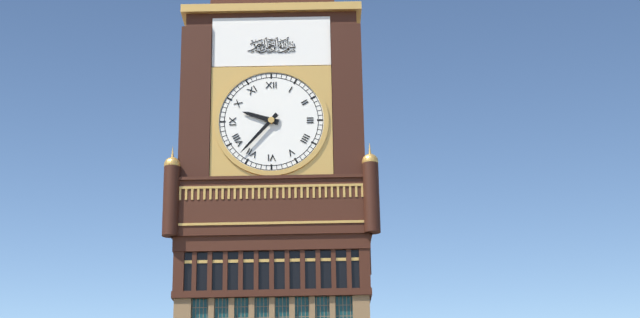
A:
9:37
